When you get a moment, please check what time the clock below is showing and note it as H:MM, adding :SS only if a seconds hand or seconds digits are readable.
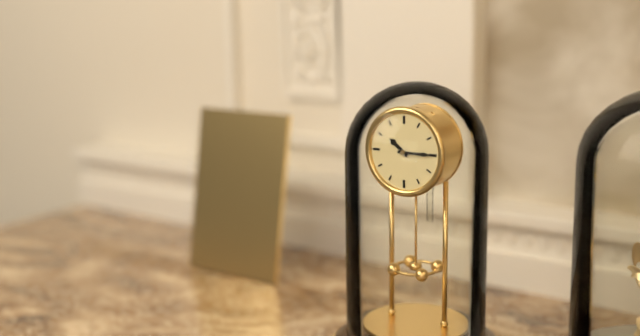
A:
10:15
